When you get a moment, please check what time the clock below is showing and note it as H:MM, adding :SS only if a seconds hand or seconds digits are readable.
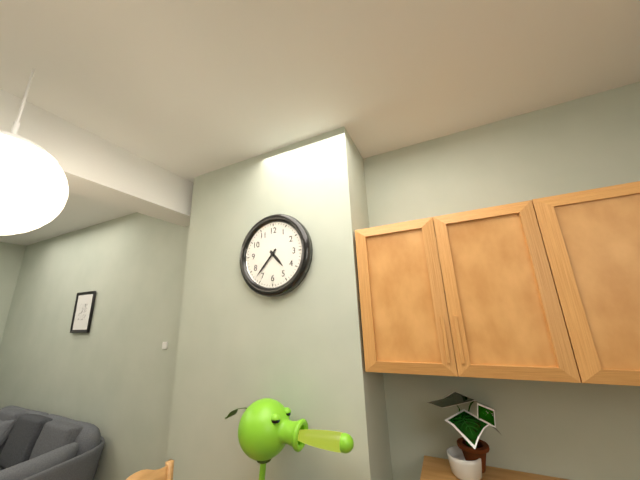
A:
4:37
